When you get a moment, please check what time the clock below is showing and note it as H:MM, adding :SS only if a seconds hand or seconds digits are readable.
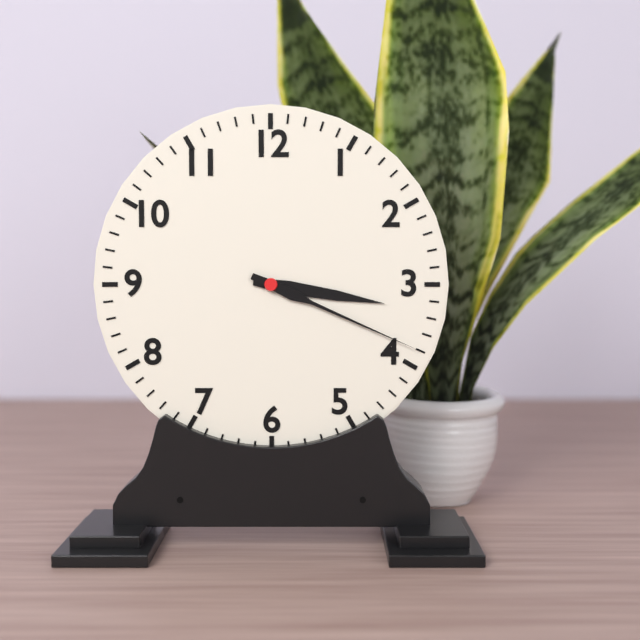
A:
3:19
